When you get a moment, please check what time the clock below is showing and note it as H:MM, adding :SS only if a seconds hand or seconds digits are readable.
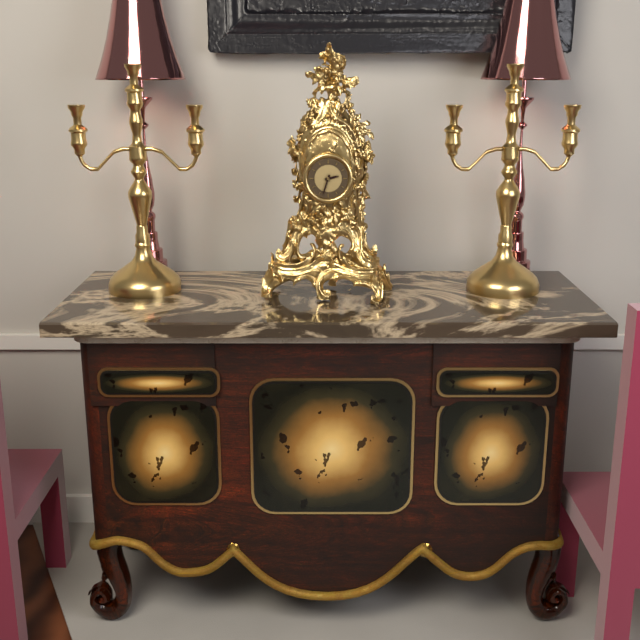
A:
2:33
